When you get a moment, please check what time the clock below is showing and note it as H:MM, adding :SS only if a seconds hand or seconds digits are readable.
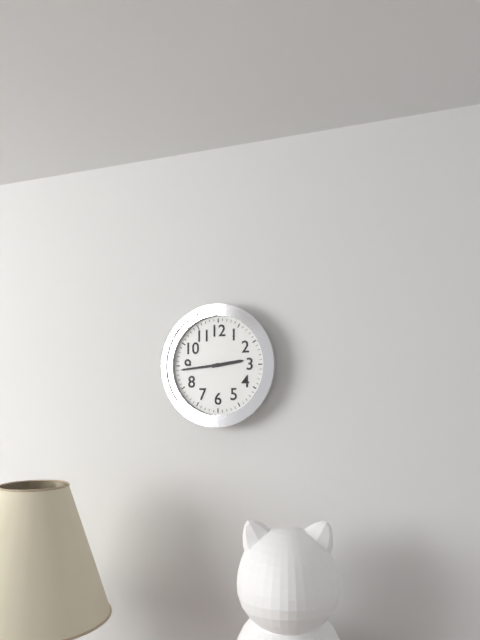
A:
2:44
